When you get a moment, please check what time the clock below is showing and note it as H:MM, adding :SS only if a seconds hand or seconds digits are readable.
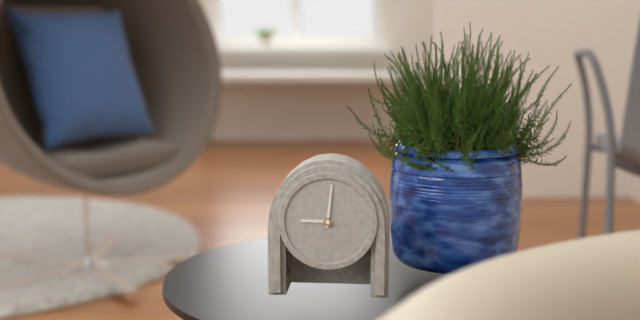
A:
9:01
